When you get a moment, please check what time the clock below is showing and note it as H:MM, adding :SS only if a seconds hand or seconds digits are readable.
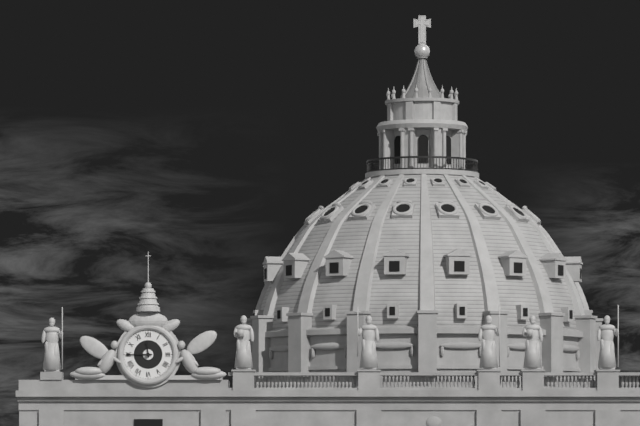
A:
11:45
